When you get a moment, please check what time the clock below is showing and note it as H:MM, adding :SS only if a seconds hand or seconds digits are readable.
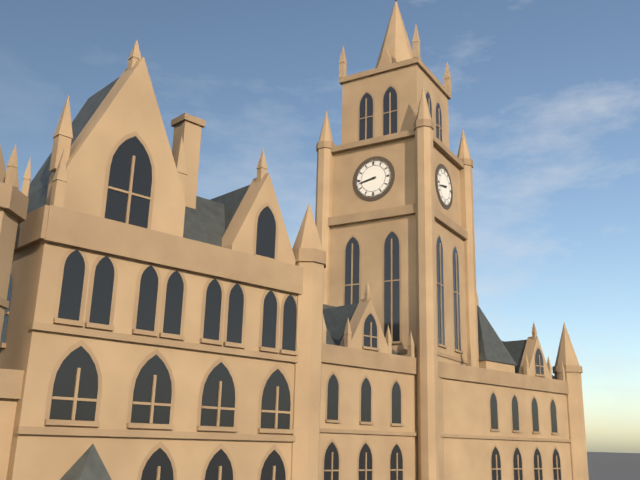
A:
8:43
